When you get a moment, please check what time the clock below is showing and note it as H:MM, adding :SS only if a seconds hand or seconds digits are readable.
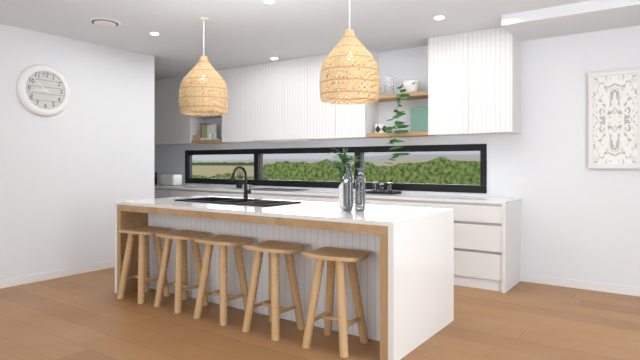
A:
8:52
